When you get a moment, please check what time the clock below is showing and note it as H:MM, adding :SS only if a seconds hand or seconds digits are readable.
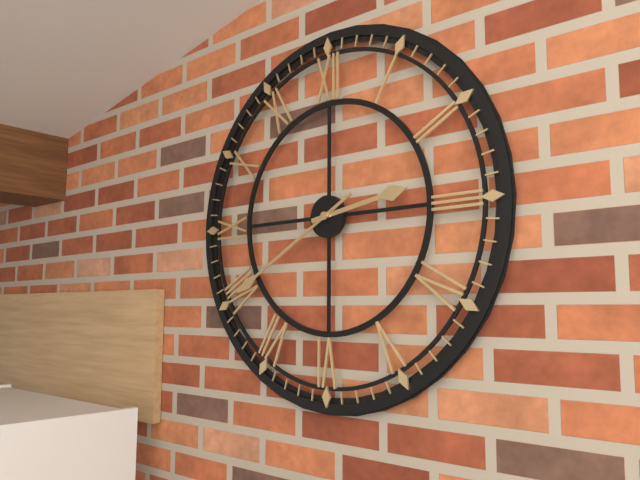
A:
2:40
